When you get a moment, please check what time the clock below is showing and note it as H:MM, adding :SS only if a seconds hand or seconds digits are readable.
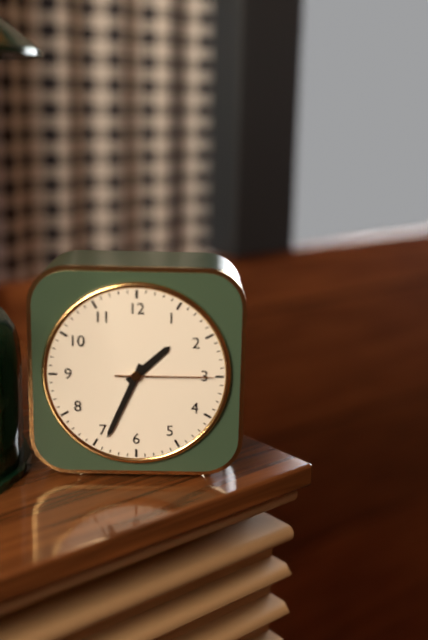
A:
1:34:15
